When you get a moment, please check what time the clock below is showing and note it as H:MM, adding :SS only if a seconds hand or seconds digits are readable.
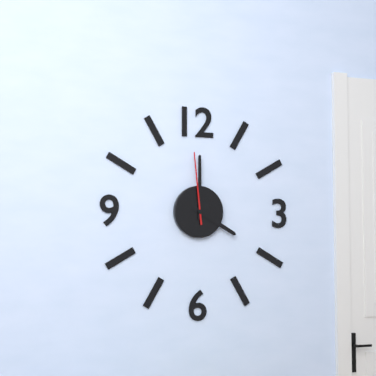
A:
4:00:59
